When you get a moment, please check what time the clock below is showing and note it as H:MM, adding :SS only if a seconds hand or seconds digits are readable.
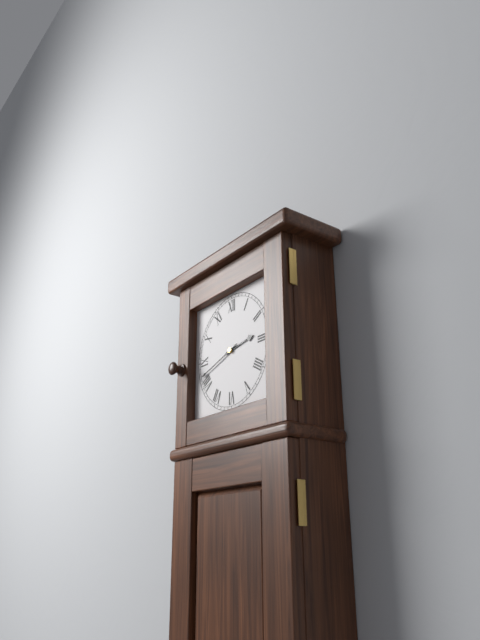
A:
2:42
